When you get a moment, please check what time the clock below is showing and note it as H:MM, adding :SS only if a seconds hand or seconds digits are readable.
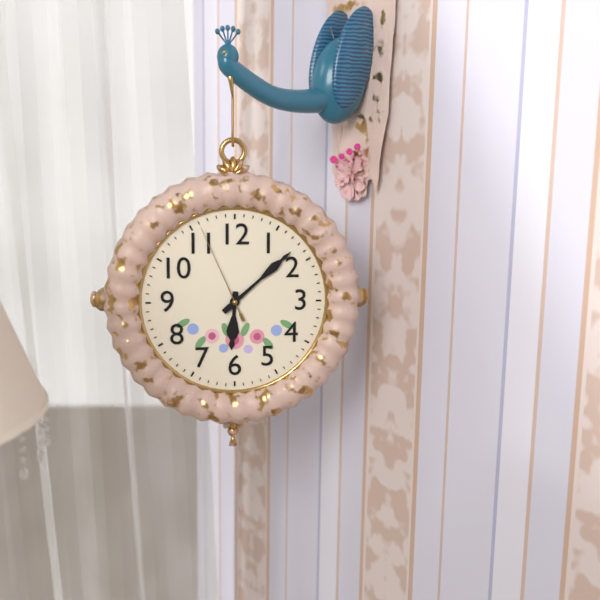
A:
6:08:56
